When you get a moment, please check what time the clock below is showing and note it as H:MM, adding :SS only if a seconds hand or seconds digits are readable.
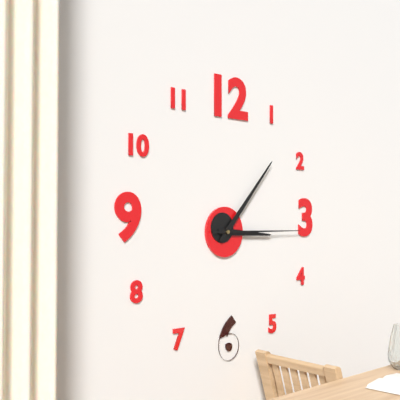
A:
3:07:15
